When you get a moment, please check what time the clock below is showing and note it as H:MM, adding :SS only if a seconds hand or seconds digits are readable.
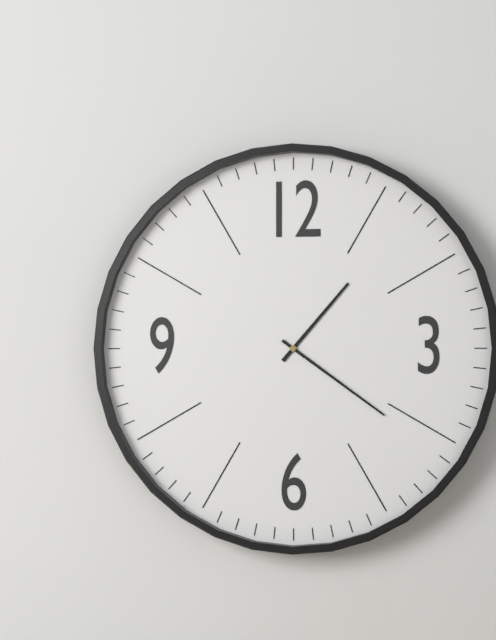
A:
1:21
